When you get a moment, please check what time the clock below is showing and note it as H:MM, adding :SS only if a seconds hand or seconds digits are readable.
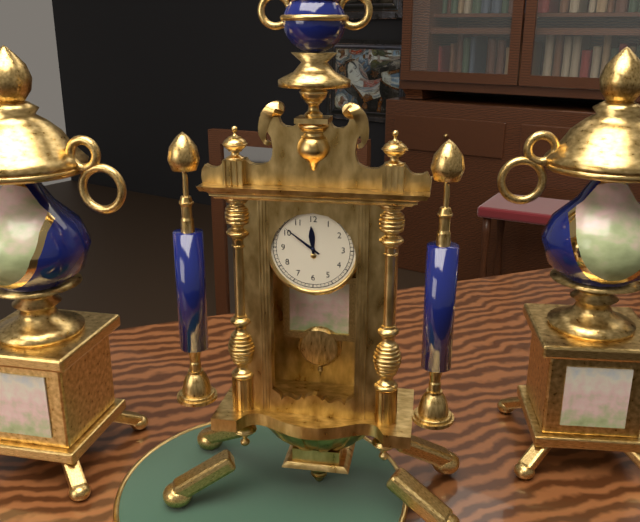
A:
11:51
